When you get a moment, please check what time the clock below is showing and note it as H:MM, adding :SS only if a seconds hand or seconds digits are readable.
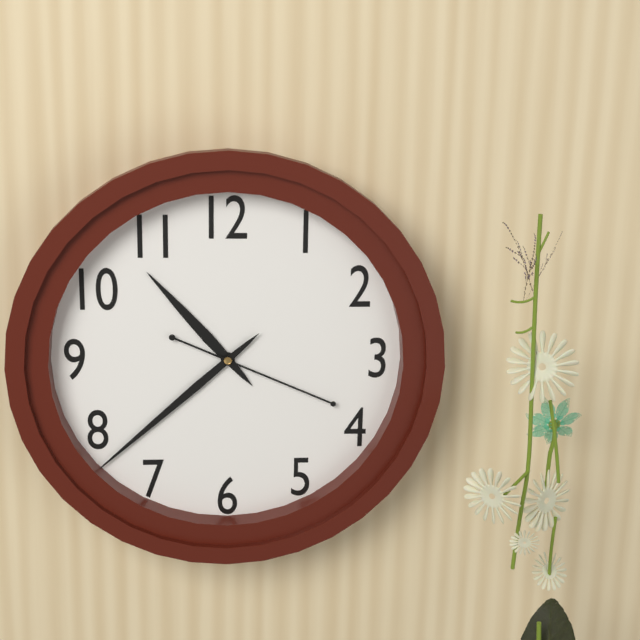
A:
10:38:19
